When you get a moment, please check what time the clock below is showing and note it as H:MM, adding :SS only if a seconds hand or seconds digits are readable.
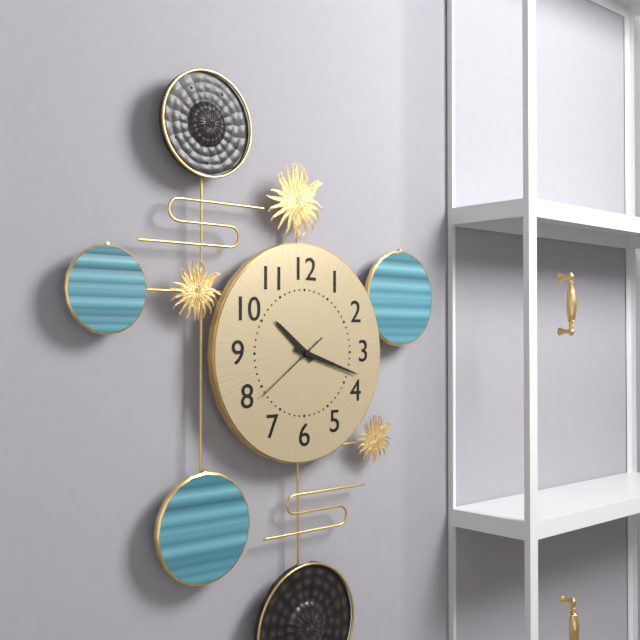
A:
10:18:39
